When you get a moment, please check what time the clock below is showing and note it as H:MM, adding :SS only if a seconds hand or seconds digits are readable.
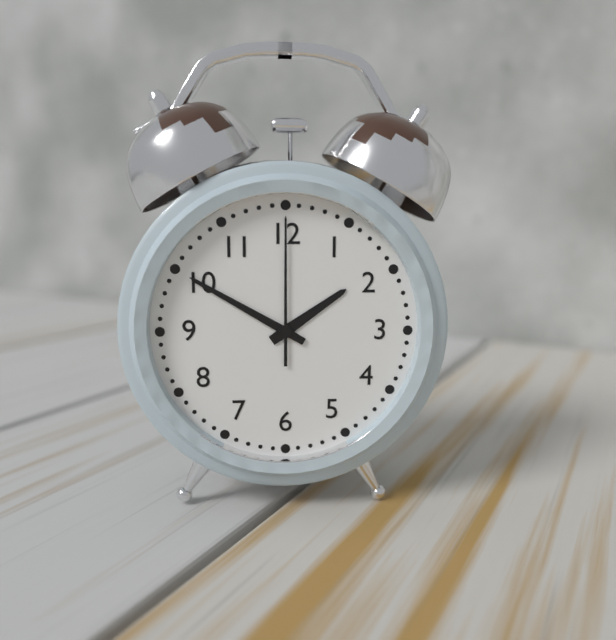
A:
1:50:00
